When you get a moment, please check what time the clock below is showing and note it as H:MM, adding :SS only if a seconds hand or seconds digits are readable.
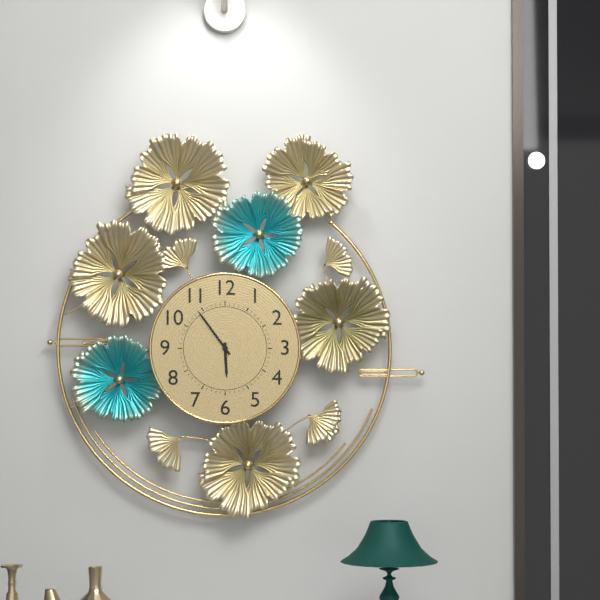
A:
5:54
